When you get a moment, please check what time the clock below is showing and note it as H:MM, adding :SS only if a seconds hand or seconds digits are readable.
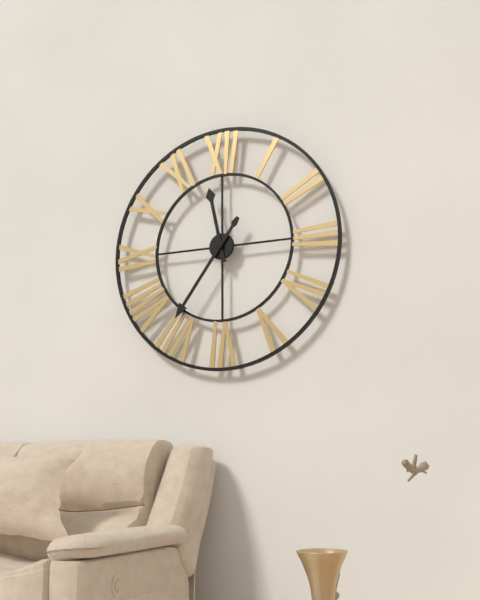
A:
11:36
